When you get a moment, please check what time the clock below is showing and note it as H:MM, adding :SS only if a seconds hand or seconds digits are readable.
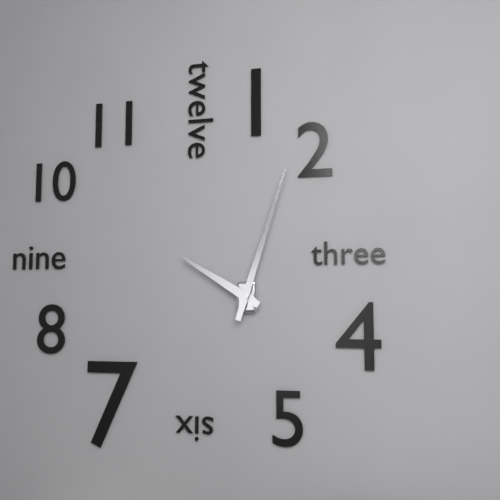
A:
10:03
